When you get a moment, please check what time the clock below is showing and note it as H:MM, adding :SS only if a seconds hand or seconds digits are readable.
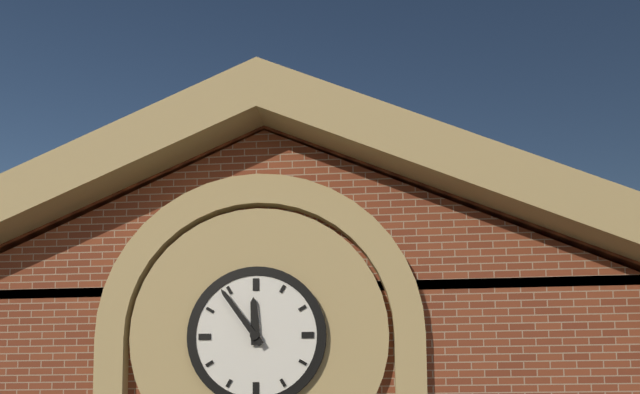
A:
11:54
